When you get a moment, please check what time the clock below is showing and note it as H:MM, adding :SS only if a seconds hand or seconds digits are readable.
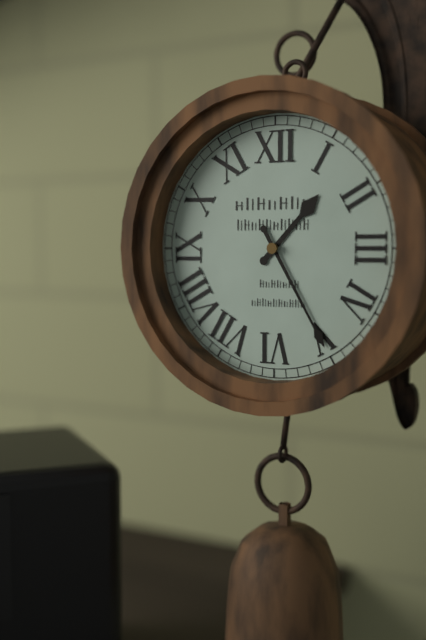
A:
1:25
